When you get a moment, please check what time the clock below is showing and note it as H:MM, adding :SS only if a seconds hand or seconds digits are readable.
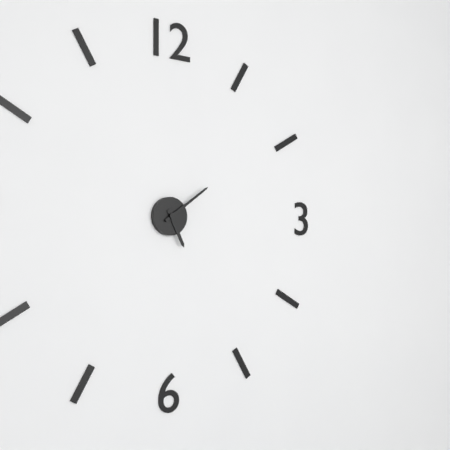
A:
5:09
